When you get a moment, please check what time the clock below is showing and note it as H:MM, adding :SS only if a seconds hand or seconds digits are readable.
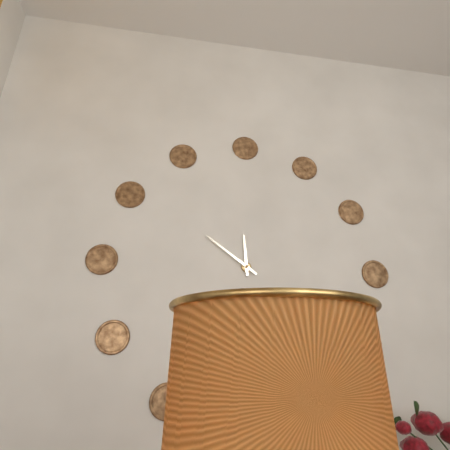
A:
11:51
